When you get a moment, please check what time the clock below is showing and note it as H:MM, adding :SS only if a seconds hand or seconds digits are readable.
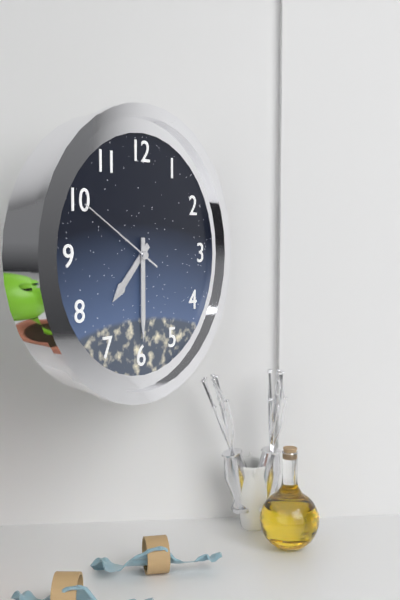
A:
7:30:50
